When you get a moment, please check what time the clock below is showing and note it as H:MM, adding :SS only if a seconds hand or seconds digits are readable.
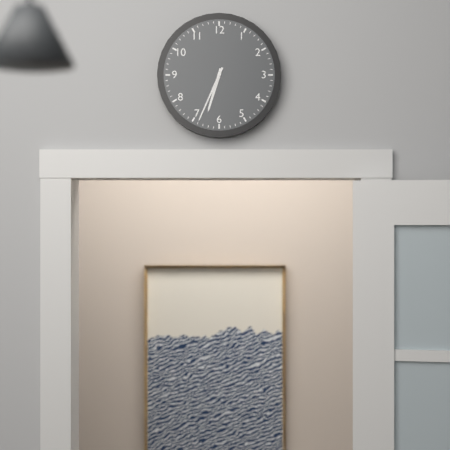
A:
6:34
